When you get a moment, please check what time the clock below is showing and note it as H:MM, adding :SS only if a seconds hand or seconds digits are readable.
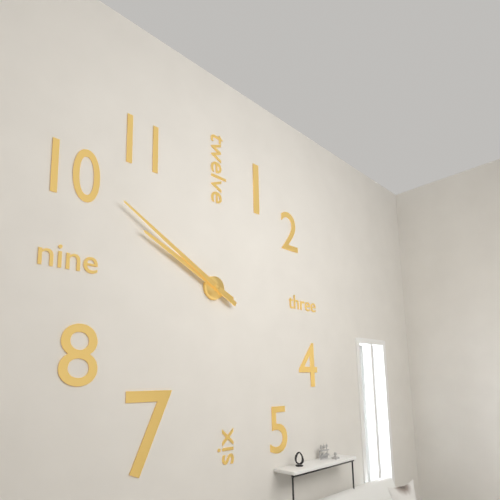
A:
9:50
